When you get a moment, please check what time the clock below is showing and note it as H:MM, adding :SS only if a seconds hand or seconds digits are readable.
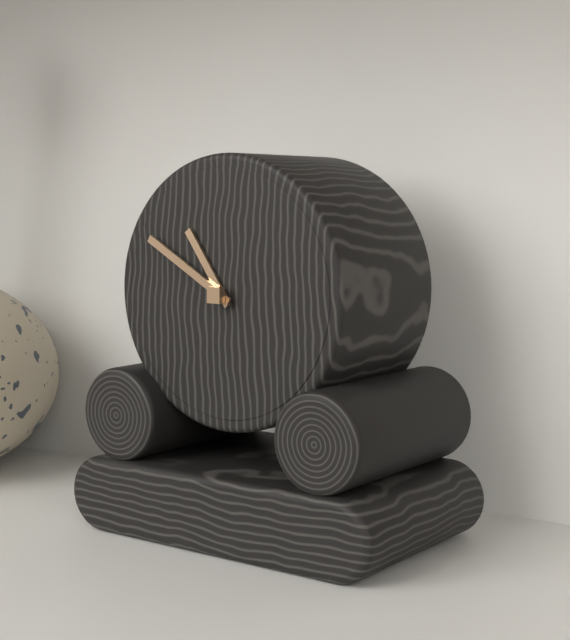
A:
10:50
